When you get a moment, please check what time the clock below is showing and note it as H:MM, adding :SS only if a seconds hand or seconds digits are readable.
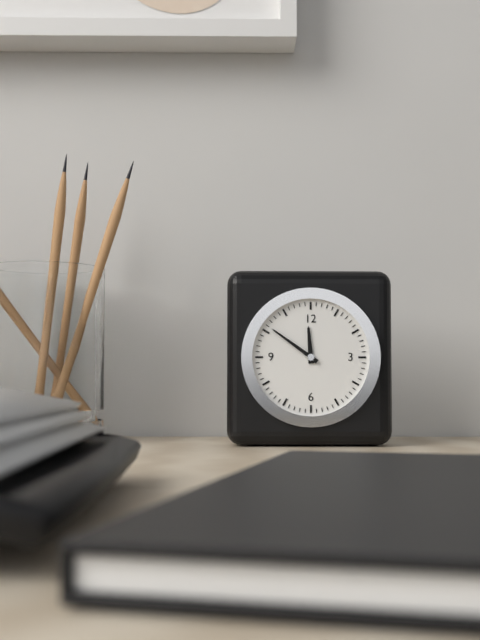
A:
11:51
